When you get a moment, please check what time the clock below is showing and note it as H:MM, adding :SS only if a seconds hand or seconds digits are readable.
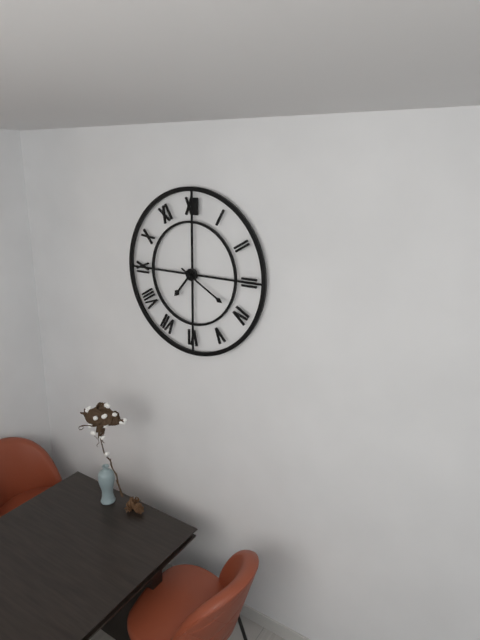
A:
7:20
